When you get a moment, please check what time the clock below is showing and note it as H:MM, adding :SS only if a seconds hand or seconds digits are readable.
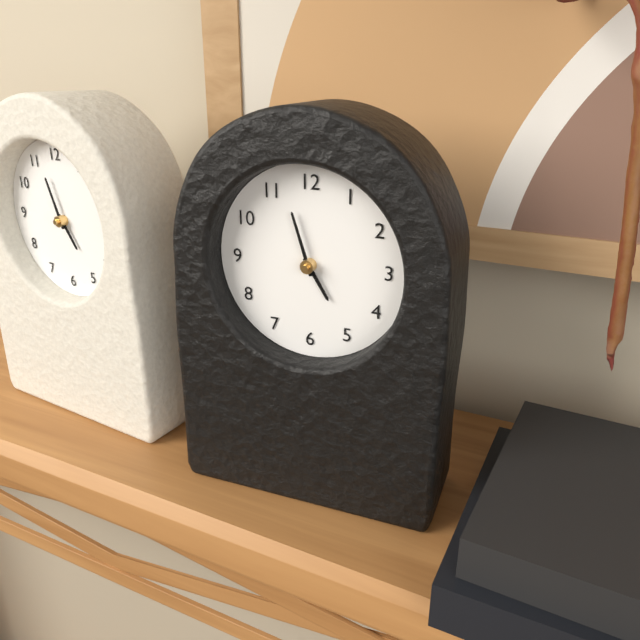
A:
4:57
